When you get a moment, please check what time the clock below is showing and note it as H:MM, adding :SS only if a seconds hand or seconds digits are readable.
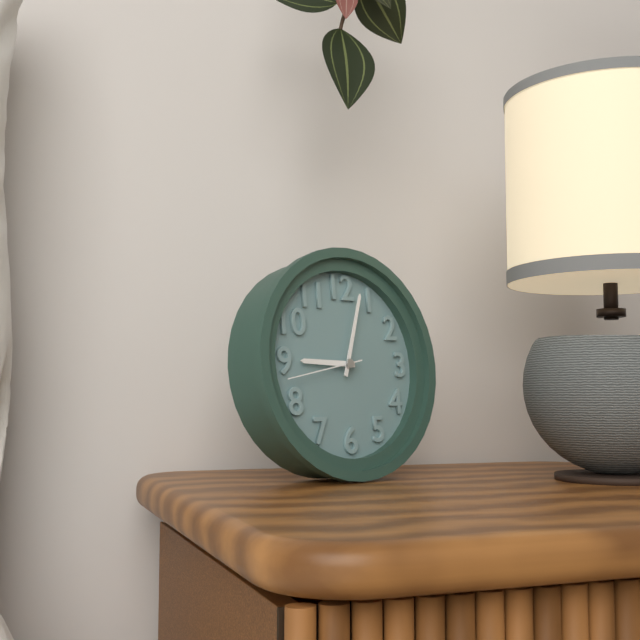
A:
9:03:43
